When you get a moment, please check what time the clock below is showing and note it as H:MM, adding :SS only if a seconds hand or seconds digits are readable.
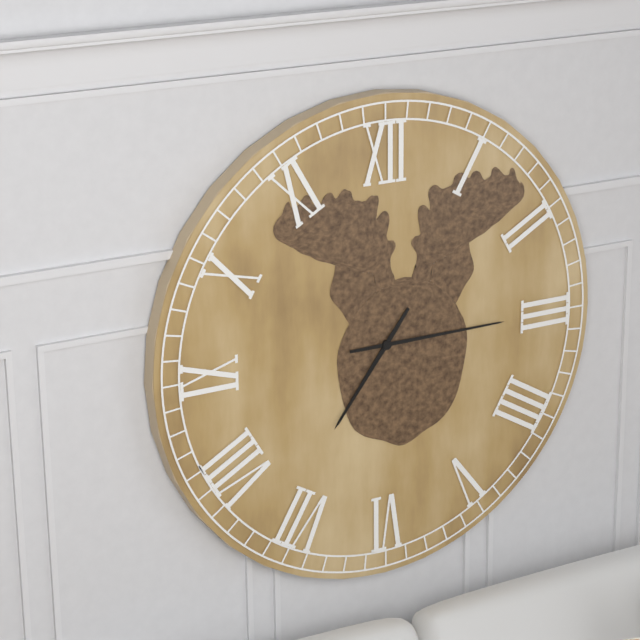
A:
7:15
